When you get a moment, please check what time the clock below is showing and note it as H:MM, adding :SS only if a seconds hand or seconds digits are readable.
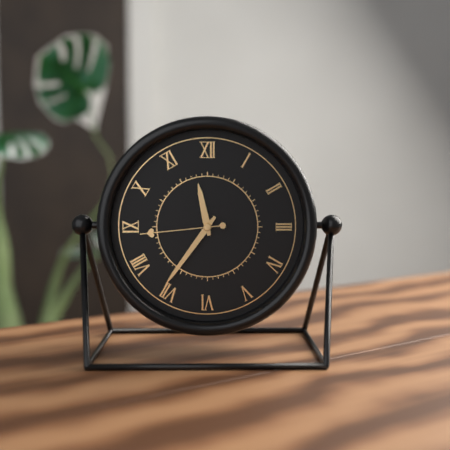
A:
11:36:44
